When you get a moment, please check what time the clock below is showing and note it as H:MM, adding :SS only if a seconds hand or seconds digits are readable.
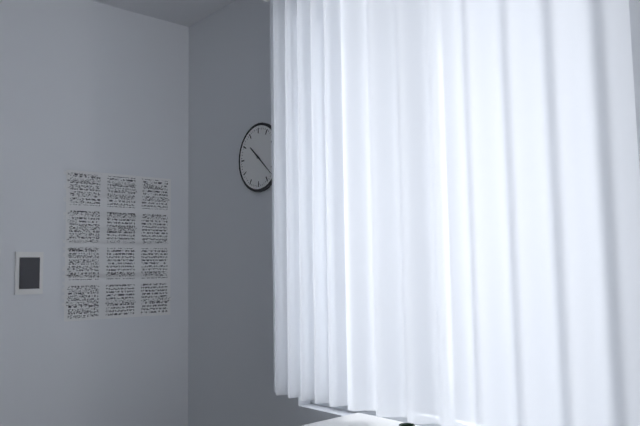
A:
10:22
